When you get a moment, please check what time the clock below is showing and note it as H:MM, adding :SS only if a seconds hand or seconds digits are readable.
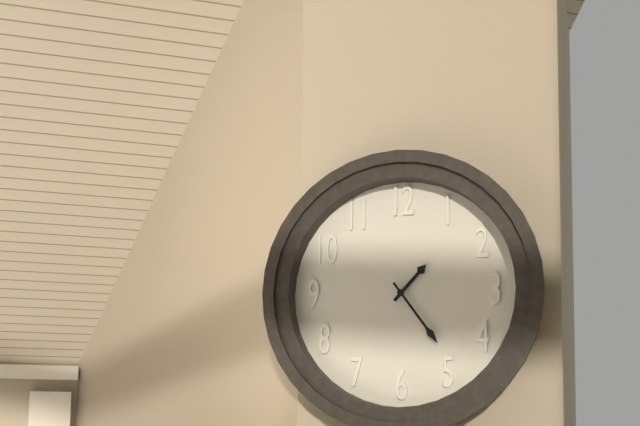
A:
1:24
